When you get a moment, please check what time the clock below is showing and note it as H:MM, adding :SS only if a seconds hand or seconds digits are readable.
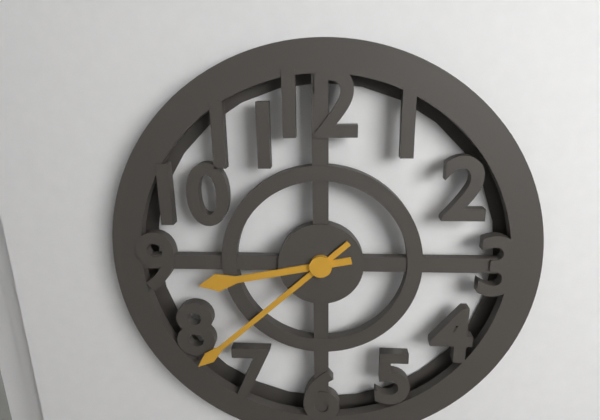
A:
8:38
